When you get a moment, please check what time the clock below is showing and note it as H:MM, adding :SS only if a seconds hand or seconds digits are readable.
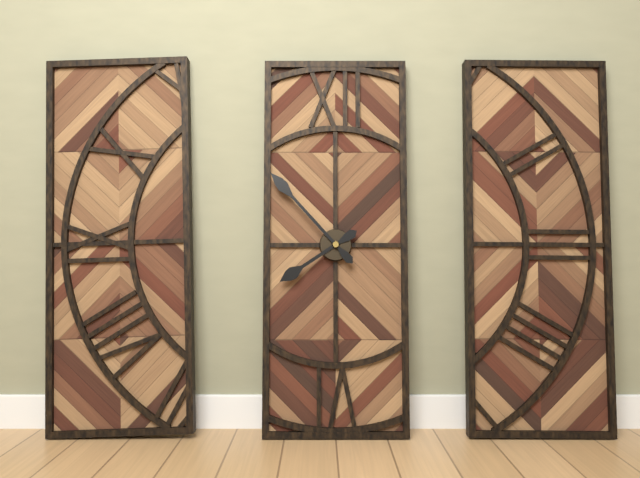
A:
7:53
